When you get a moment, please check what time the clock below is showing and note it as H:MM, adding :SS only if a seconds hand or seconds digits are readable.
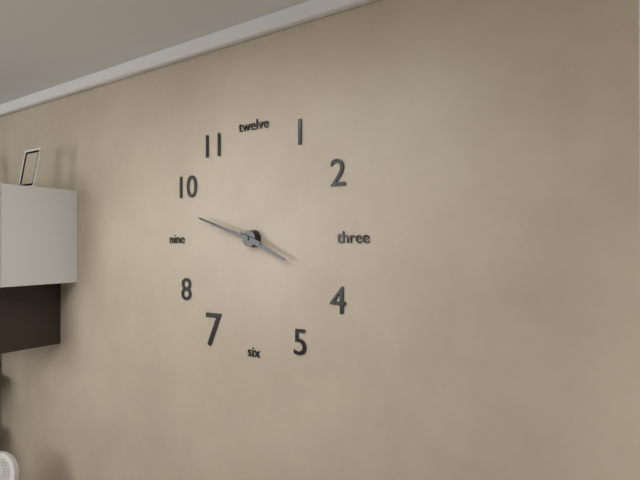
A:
3:48
